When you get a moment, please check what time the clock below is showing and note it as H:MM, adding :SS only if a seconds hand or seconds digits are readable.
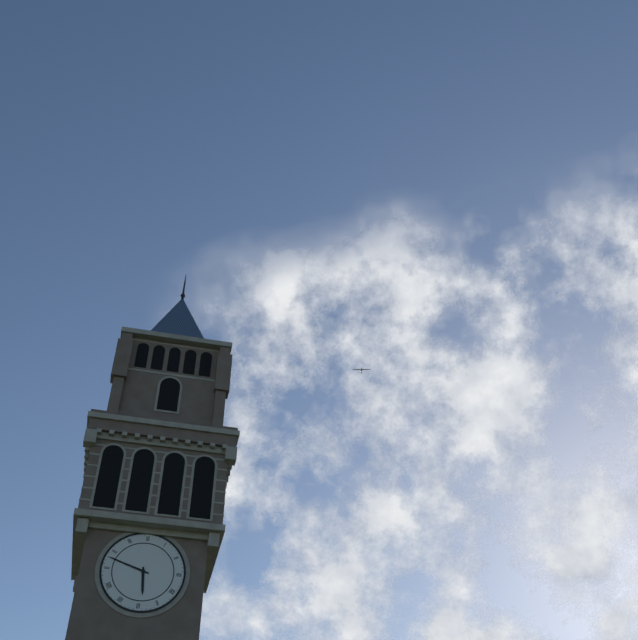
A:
5:48
